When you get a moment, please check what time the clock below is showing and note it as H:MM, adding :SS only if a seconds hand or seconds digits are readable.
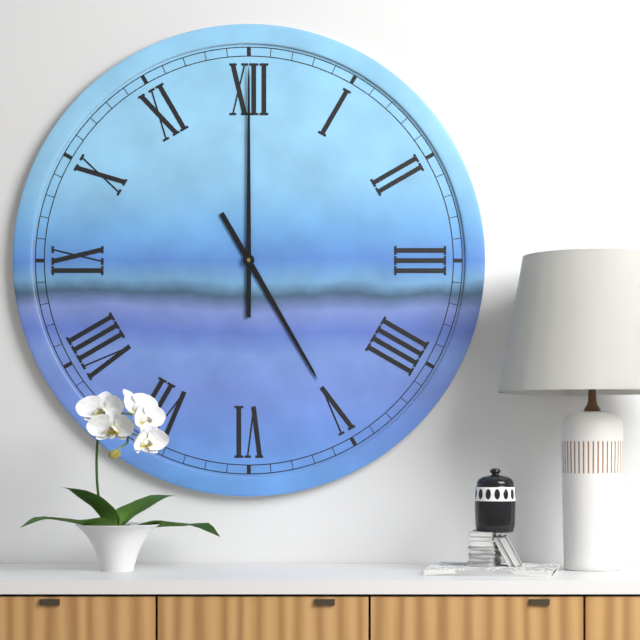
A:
5:00
